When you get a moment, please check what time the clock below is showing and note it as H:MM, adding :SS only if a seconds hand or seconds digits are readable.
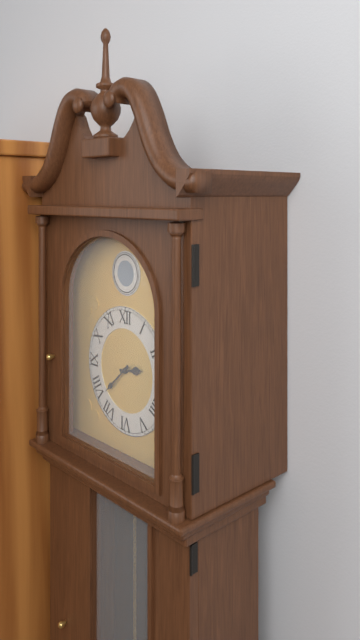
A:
2:38
